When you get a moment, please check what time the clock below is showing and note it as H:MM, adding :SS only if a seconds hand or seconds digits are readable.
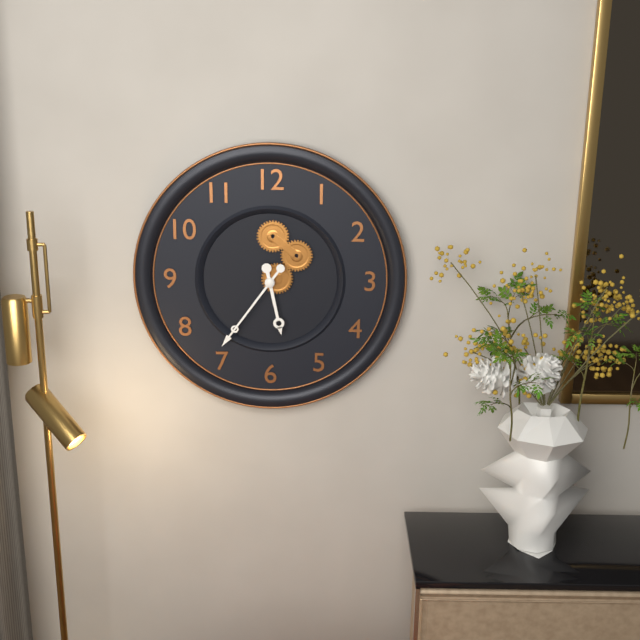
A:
5:36
